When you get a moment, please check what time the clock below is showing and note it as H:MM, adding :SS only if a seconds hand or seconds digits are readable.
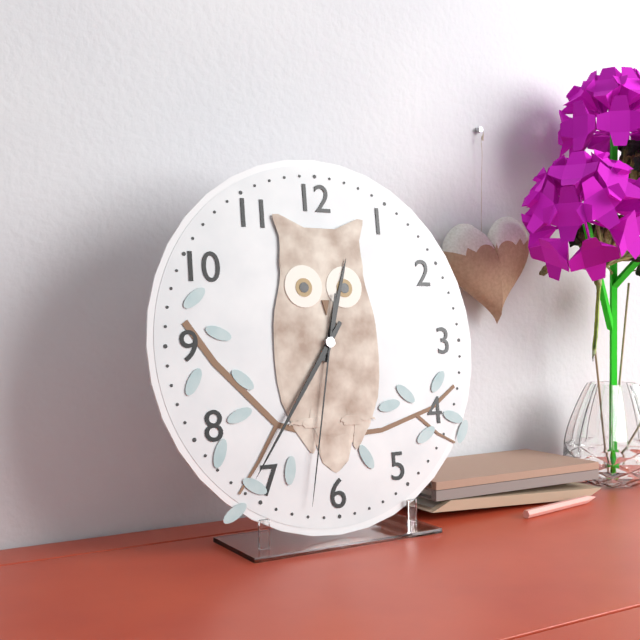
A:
12:36:32
